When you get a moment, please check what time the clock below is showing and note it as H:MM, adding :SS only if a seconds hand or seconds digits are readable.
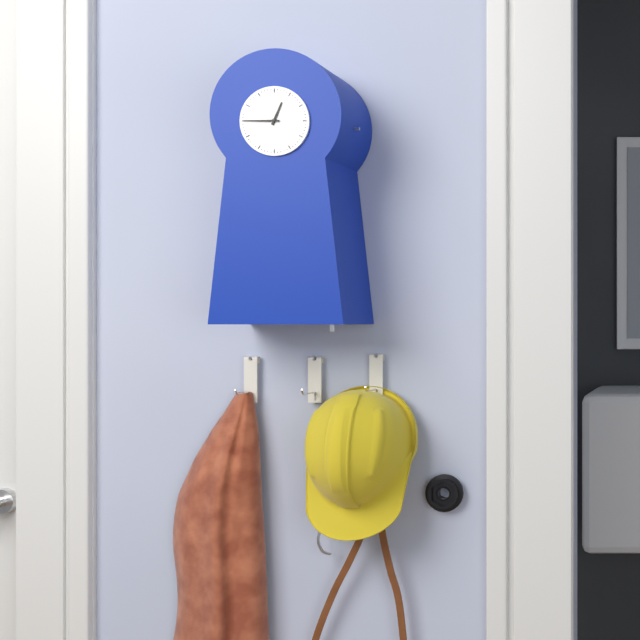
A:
12:45
